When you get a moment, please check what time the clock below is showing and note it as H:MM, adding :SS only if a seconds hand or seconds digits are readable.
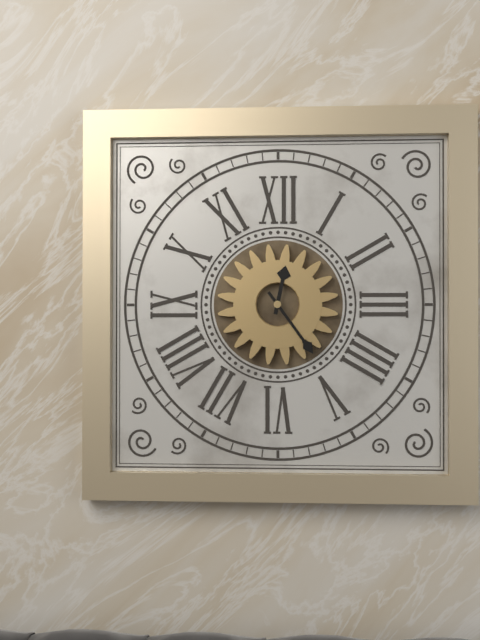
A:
12:24
